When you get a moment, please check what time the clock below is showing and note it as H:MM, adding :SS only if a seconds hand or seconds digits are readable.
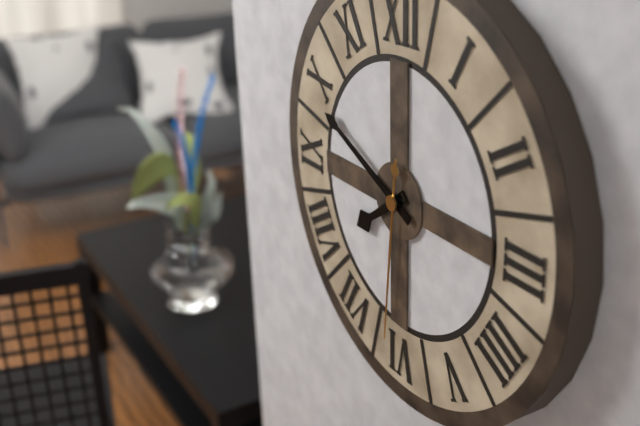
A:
7:49:31
